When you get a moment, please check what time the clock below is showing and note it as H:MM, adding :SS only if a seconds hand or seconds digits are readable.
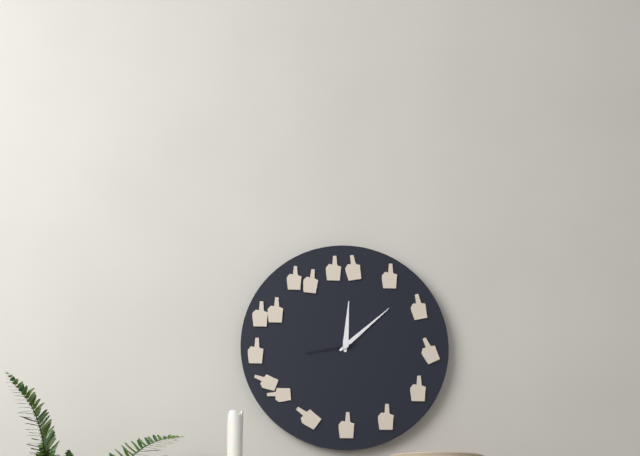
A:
12:08
